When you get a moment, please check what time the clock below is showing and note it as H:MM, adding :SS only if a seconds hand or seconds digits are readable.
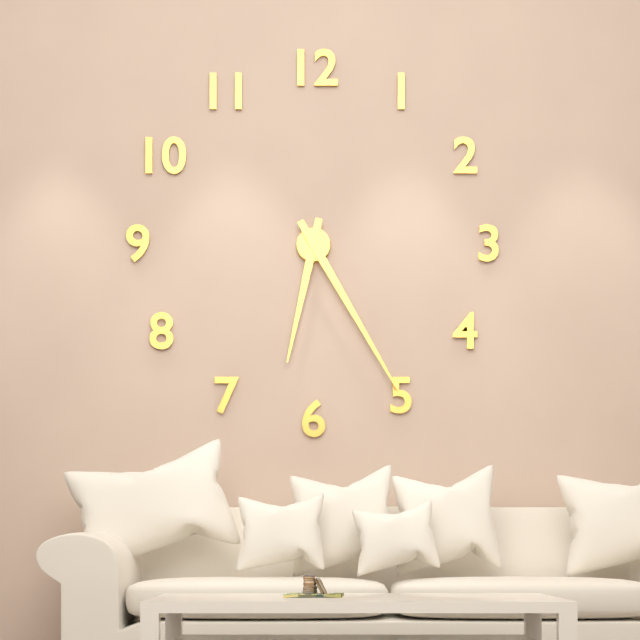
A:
6:25
